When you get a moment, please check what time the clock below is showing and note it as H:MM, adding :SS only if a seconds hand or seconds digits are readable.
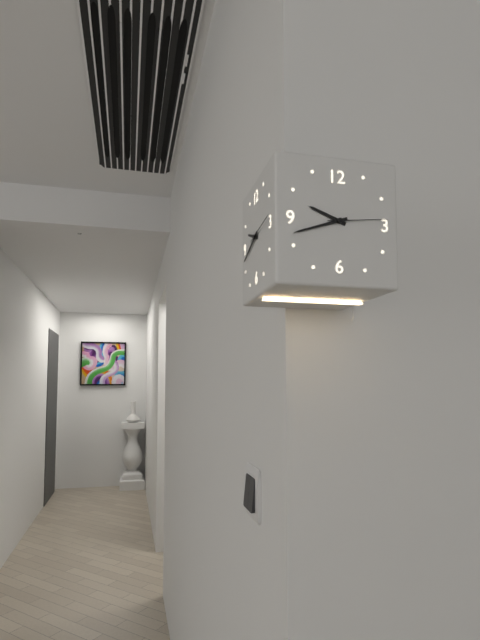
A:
9:42:14
